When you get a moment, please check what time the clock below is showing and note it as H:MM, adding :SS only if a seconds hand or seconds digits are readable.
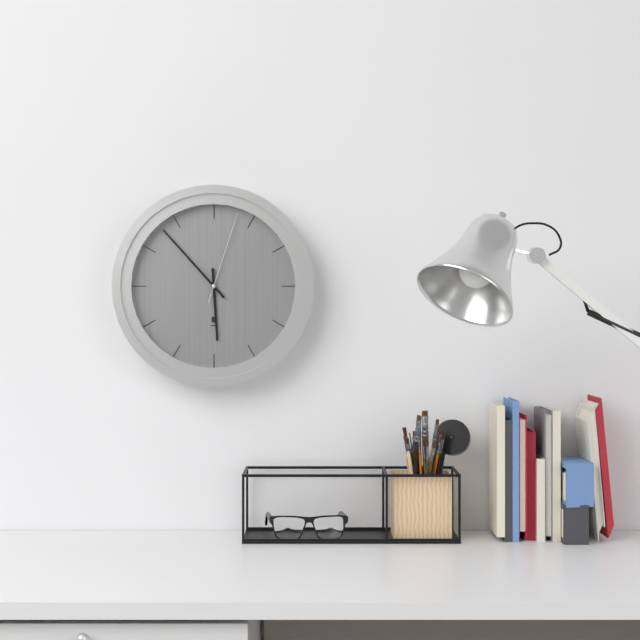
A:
5:53:03
